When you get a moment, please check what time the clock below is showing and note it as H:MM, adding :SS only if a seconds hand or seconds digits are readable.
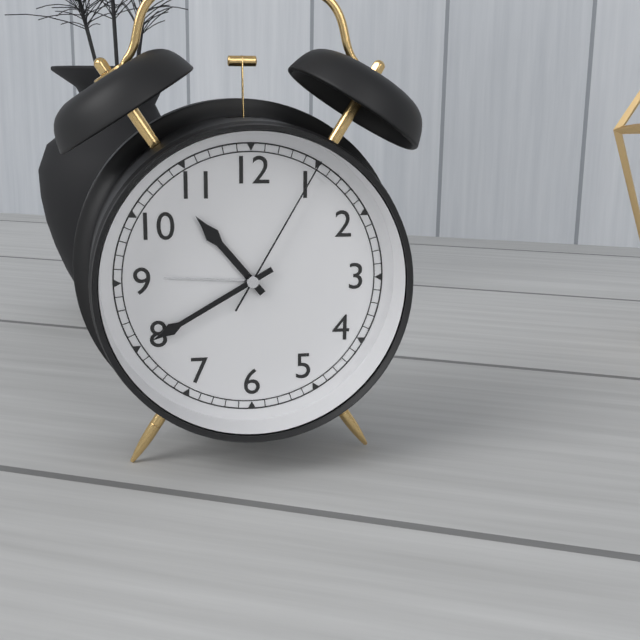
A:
10:40:05
